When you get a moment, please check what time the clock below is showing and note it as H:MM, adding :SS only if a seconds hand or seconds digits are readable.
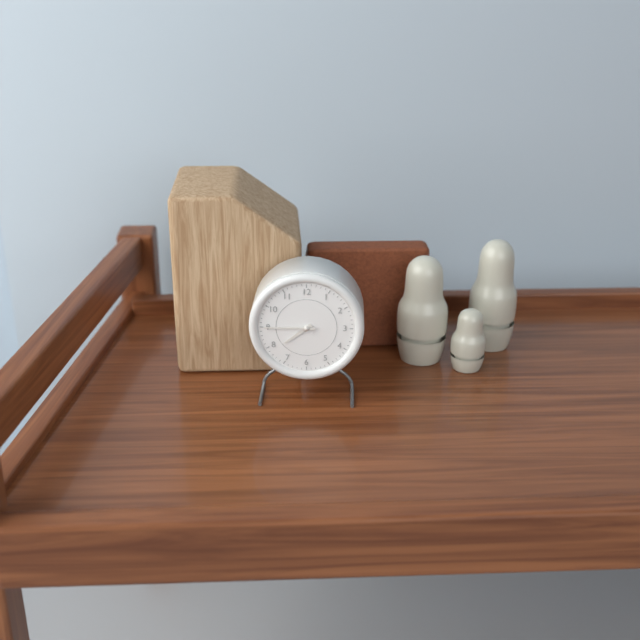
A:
7:45
